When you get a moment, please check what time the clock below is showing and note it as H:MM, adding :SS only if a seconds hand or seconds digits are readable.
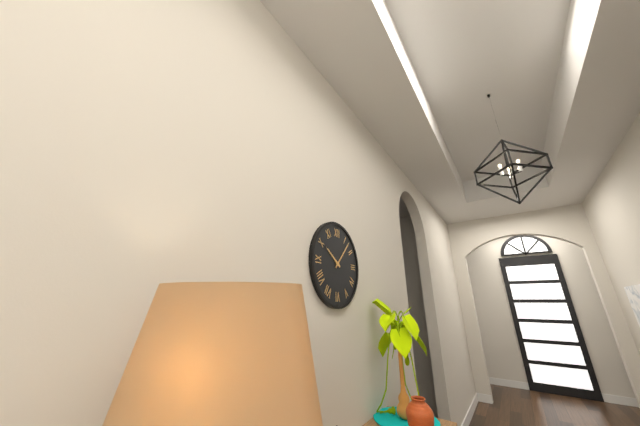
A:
10:07
